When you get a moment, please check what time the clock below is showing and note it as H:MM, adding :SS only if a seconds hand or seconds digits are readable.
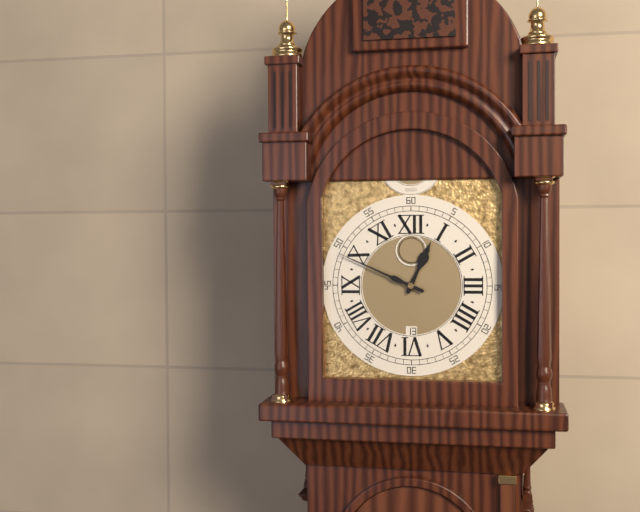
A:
12:49
